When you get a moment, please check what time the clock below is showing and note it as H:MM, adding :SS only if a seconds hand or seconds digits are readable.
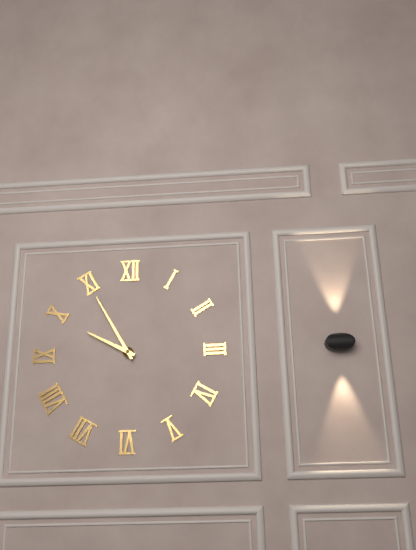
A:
9:55
